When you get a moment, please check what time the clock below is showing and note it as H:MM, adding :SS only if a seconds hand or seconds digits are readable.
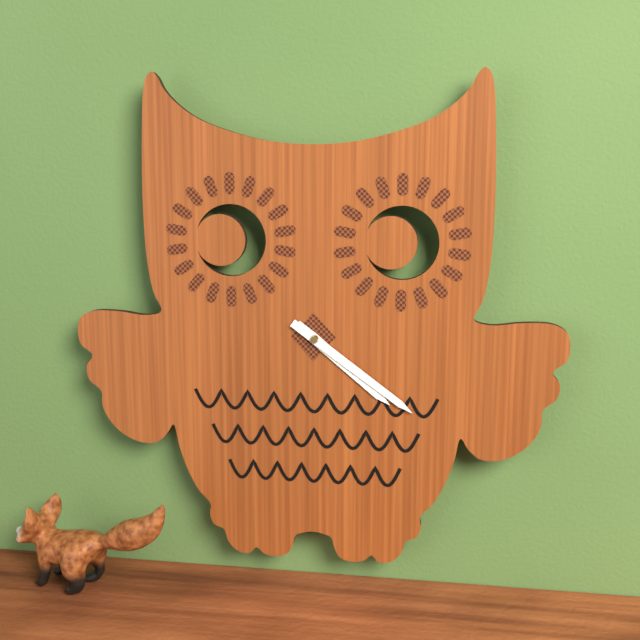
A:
4:21
